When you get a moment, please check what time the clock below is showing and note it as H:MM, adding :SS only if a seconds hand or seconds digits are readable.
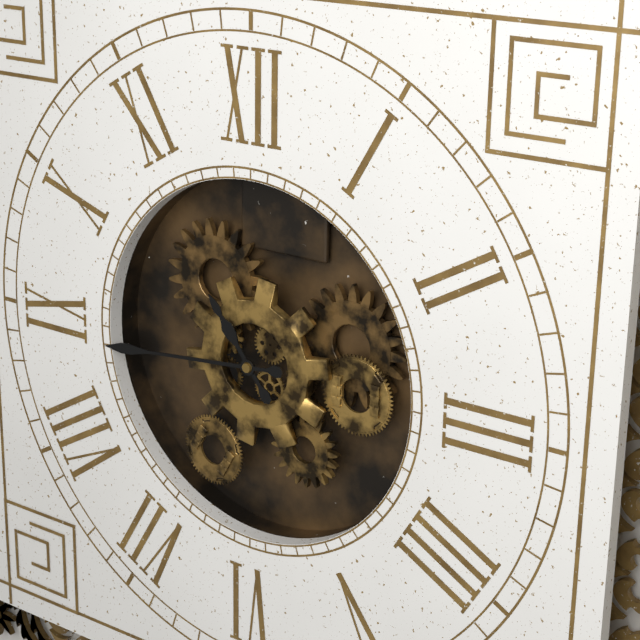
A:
10:44
